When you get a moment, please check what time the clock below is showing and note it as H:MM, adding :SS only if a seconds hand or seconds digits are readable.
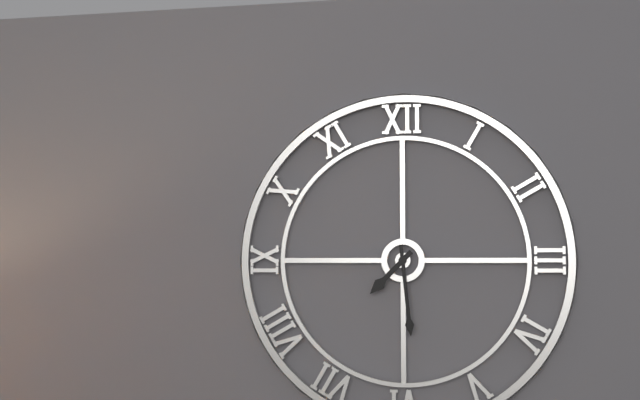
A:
7:29
